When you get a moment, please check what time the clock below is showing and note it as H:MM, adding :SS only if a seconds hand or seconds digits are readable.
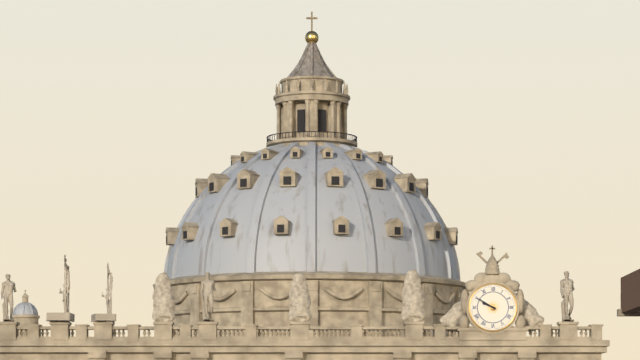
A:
9:50
